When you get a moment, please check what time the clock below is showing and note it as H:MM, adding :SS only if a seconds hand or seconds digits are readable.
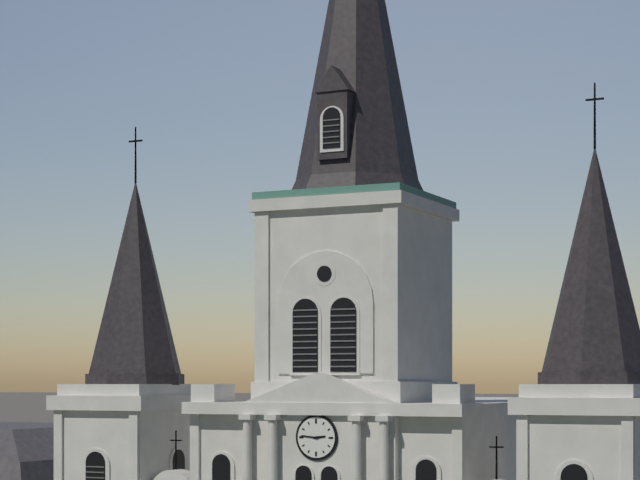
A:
2:46
